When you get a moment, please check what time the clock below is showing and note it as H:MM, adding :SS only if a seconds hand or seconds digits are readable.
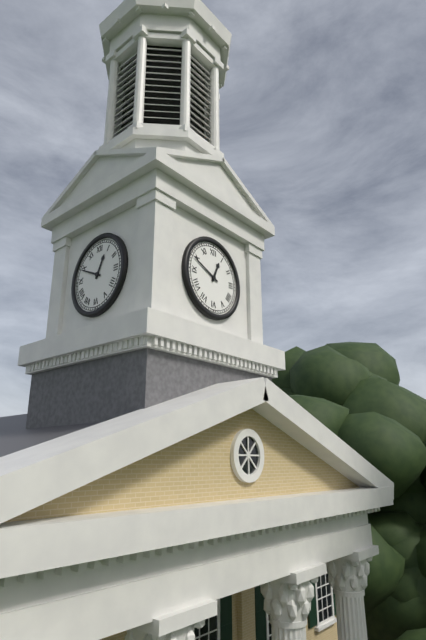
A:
12:49
